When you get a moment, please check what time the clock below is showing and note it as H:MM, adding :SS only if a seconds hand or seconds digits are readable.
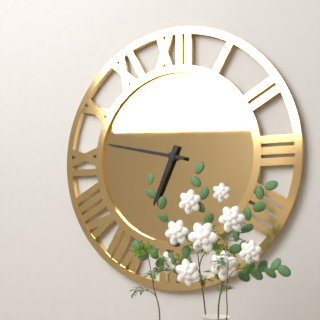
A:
6:47
